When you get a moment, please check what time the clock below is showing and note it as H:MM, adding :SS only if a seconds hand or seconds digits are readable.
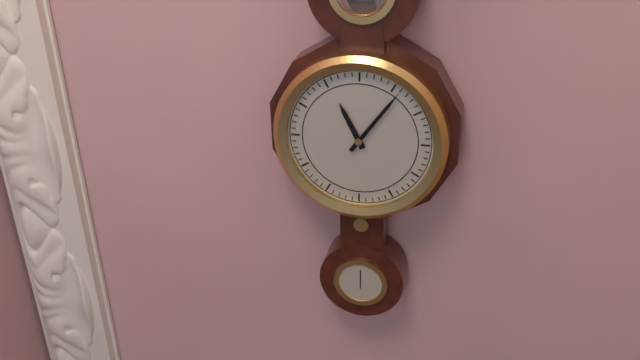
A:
11:06
